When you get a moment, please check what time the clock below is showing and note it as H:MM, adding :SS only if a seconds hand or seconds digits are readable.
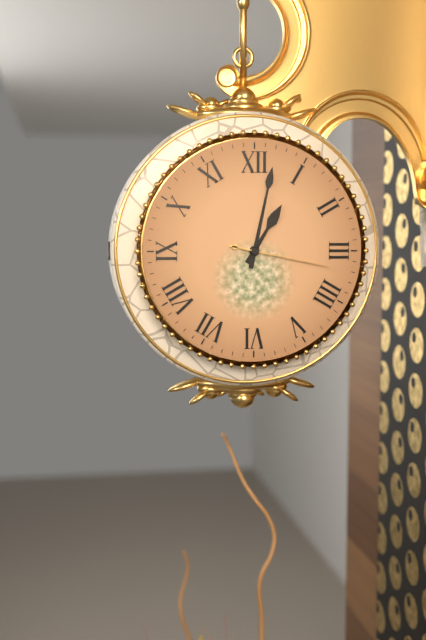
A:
1:02:17
